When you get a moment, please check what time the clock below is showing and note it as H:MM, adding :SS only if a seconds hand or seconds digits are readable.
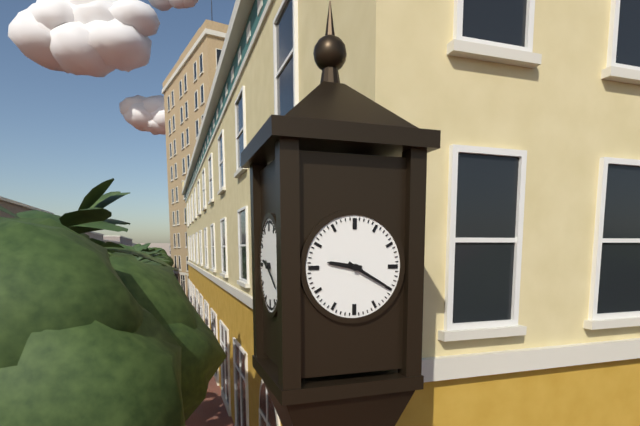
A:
9:20
